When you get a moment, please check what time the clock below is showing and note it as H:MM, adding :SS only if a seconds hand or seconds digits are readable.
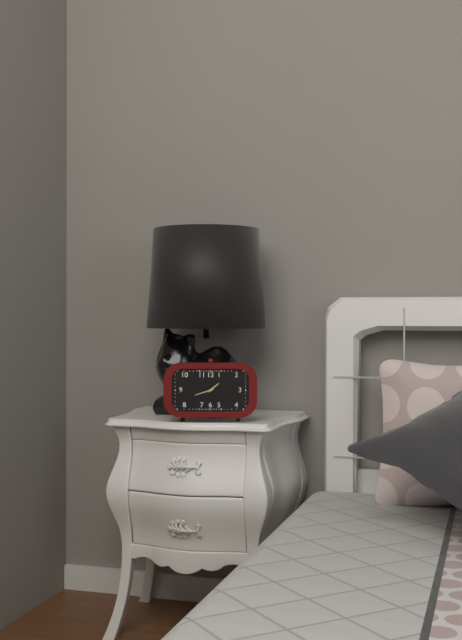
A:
1:42
